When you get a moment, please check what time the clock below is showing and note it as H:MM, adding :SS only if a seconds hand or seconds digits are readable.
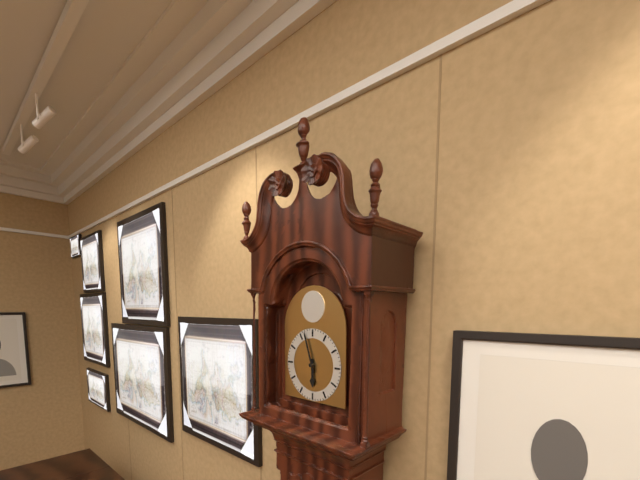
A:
5:57
